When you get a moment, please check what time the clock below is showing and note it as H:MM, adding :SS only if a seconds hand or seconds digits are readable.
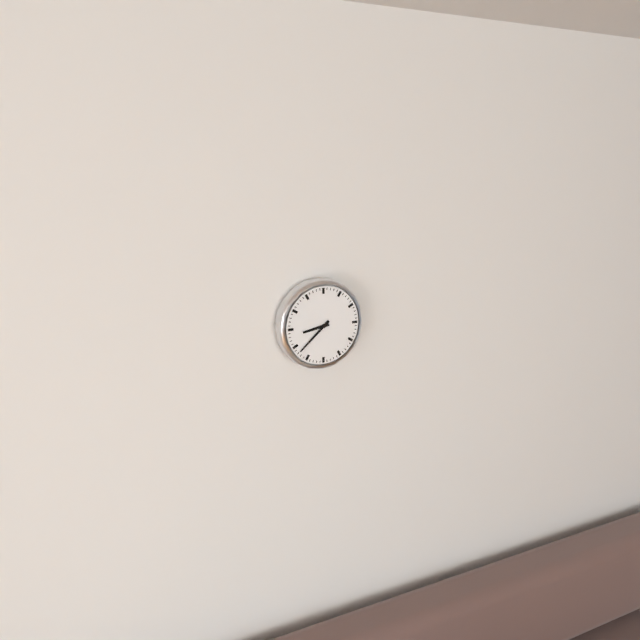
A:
8:38
